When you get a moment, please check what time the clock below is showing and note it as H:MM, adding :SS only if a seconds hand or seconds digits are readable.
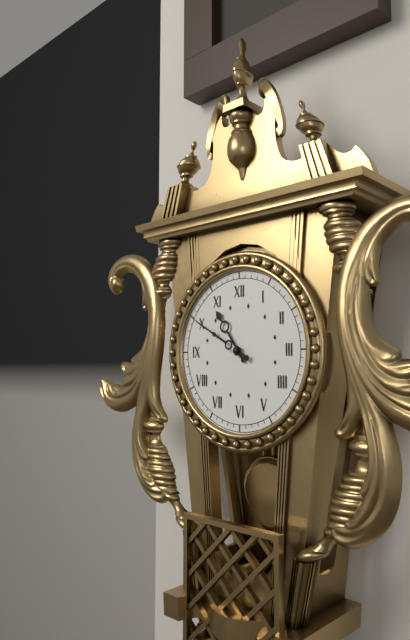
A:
10:50
